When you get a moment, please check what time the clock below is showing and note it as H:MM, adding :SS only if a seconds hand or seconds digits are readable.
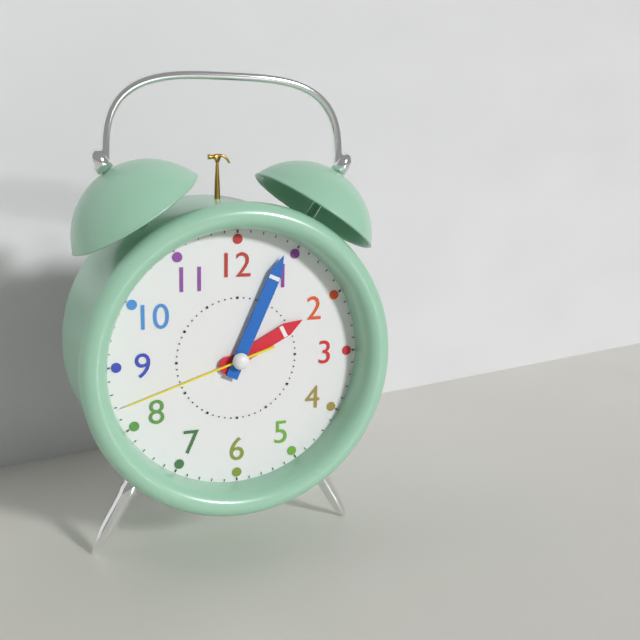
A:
2:04:42
